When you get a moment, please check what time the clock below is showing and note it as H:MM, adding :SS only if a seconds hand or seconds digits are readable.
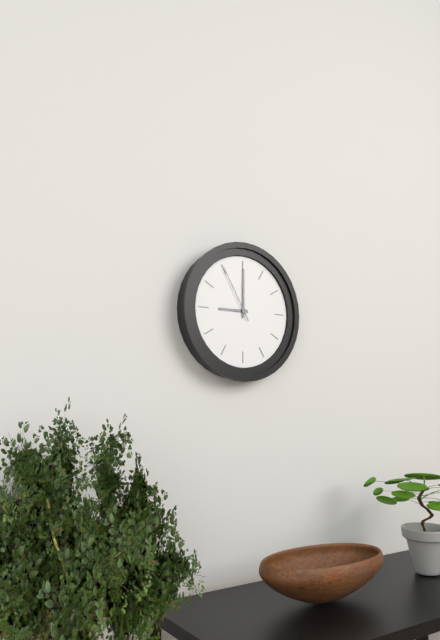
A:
9:00:55
